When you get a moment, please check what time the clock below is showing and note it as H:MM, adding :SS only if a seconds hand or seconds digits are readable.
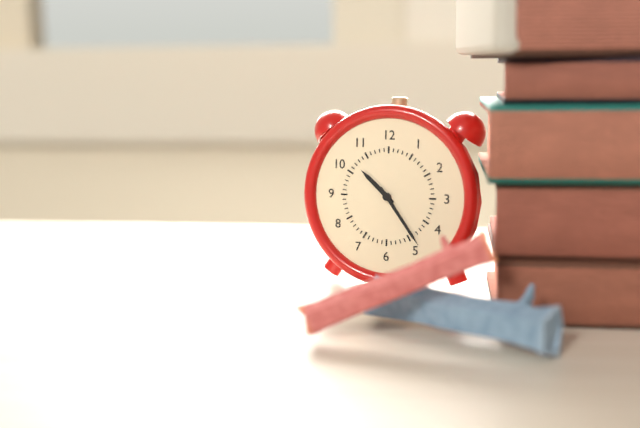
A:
10:24
